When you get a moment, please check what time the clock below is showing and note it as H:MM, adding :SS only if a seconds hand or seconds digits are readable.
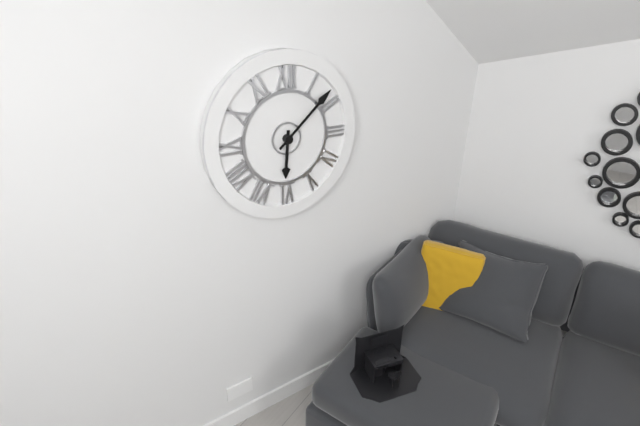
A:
6:08
